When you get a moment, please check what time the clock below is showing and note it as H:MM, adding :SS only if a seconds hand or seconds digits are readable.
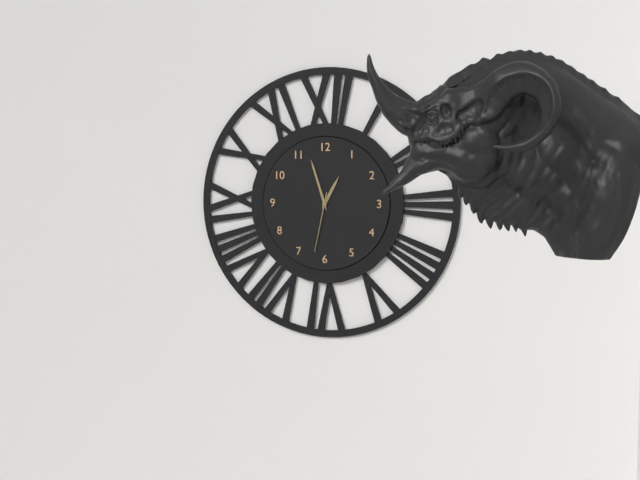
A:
12:57:32
